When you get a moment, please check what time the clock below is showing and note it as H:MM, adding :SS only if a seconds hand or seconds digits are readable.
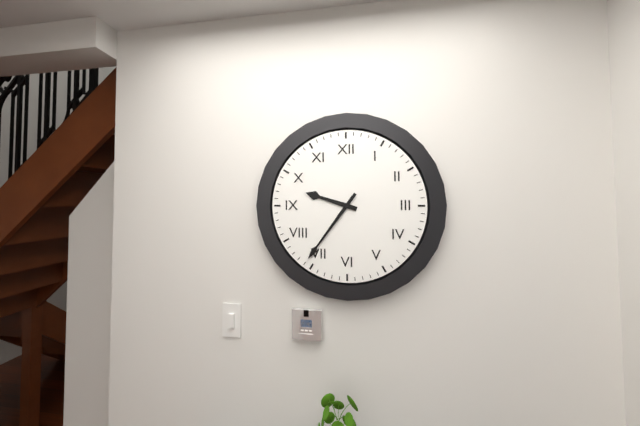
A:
9:36
